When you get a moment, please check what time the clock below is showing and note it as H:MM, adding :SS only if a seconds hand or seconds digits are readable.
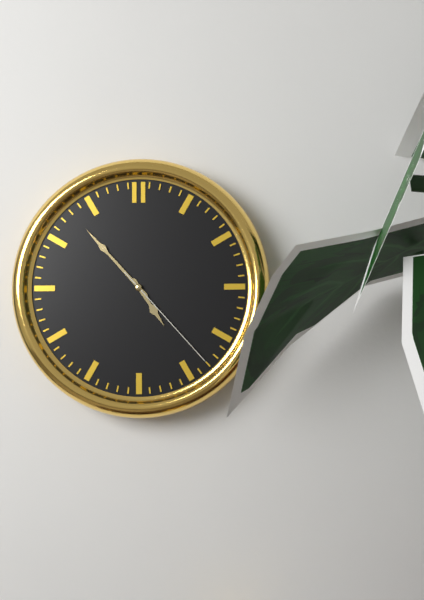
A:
4:53:23
